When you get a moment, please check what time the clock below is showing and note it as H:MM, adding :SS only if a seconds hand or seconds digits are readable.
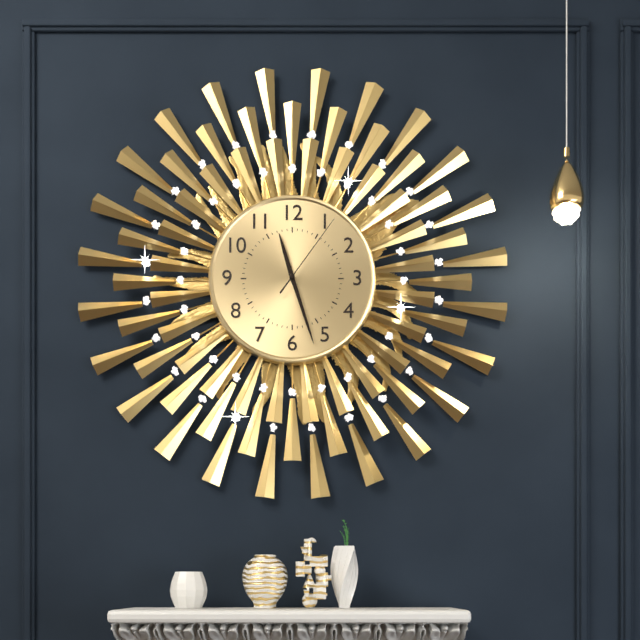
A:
11:27:06
